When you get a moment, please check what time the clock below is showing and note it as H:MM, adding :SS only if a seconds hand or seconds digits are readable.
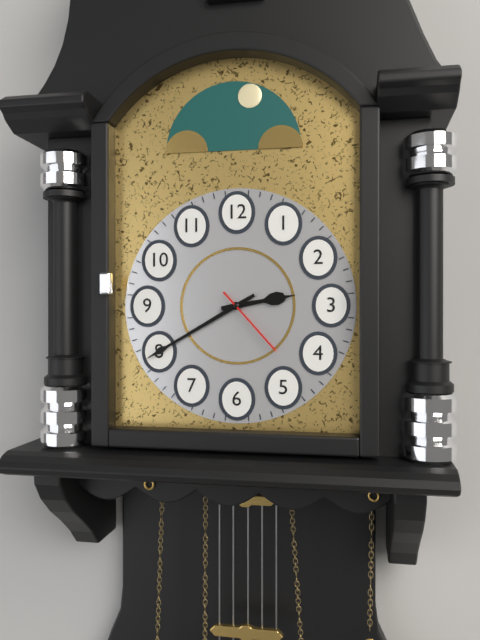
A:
2:40:23
